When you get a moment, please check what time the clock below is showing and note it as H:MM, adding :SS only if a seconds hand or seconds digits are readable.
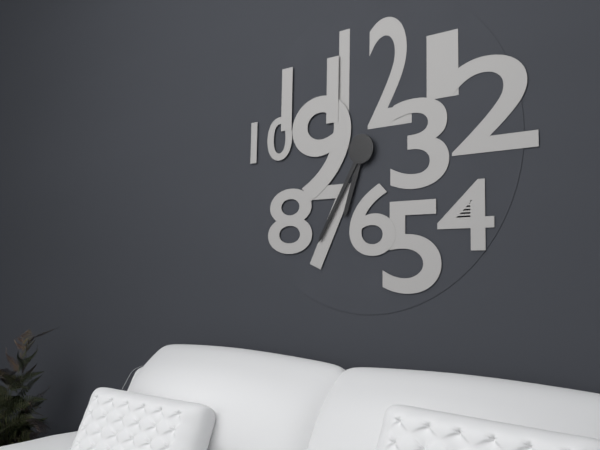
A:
6:35
